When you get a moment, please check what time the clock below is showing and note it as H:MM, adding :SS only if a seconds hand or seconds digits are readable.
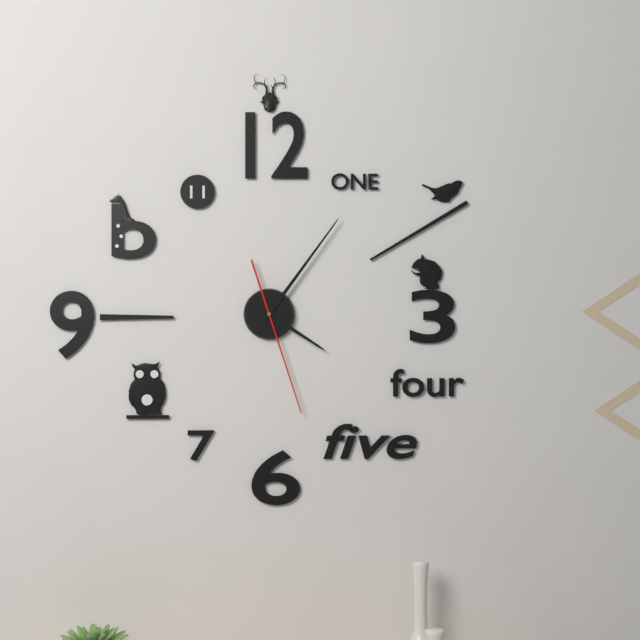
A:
4:06:27
